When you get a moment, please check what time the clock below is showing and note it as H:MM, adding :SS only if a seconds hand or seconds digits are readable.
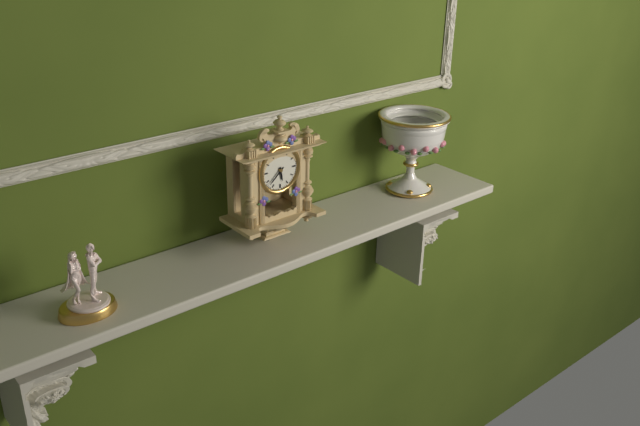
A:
5:38
